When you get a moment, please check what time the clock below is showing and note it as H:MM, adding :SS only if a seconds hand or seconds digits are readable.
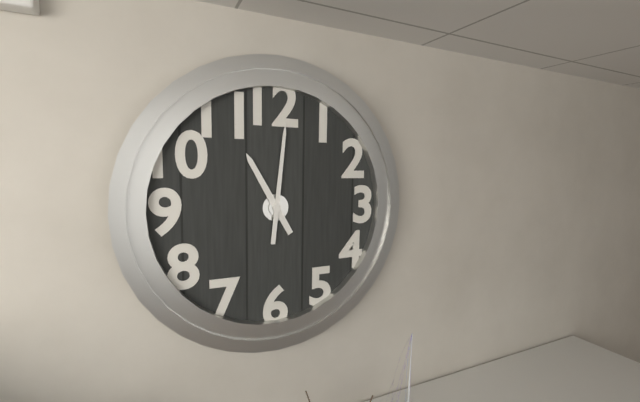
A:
11:01
